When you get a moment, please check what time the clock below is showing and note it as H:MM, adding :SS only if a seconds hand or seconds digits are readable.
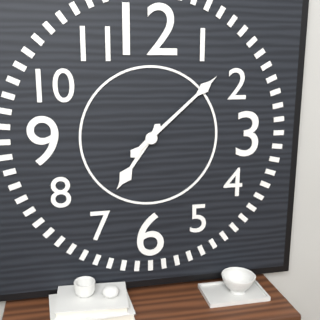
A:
7:08
